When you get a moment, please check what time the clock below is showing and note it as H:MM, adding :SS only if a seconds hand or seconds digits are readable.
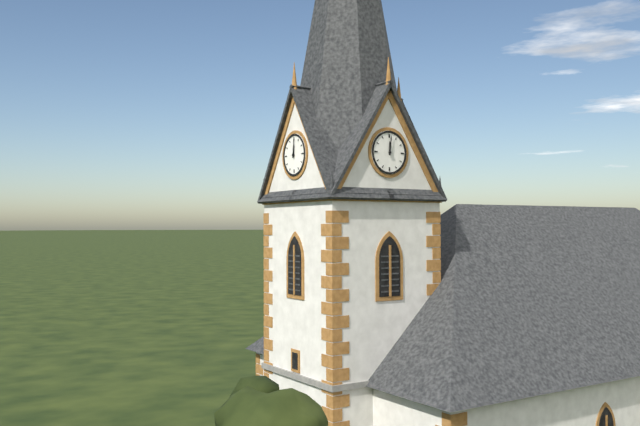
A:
12:01
